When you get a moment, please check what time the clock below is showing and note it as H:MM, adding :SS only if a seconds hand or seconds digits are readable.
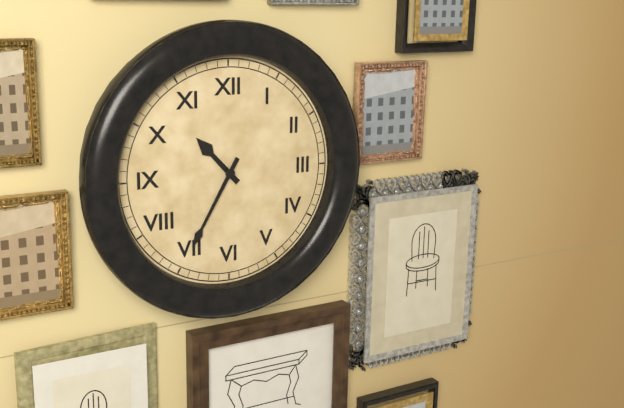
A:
10:35
